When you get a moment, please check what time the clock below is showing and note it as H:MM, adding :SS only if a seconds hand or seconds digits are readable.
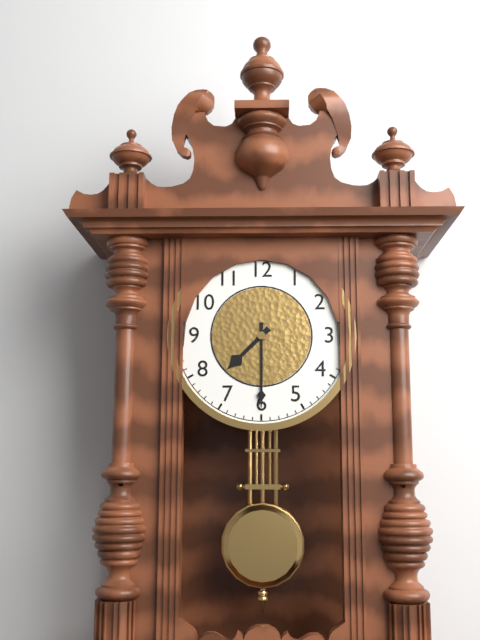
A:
7:30
